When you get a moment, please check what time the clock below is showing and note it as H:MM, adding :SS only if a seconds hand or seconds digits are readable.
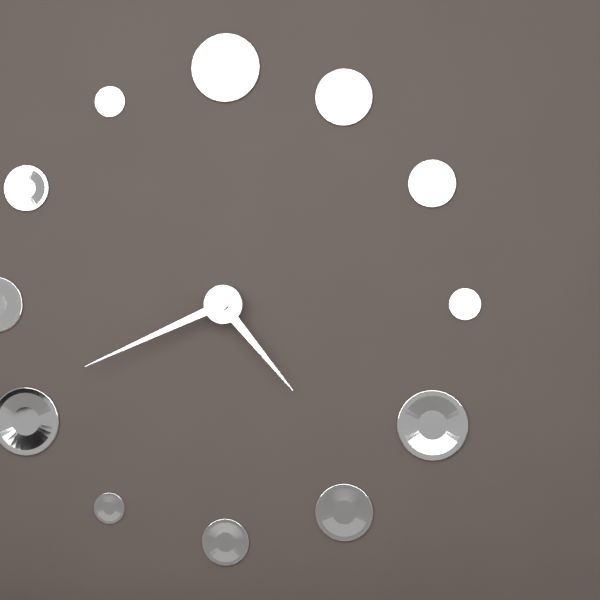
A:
4:41
